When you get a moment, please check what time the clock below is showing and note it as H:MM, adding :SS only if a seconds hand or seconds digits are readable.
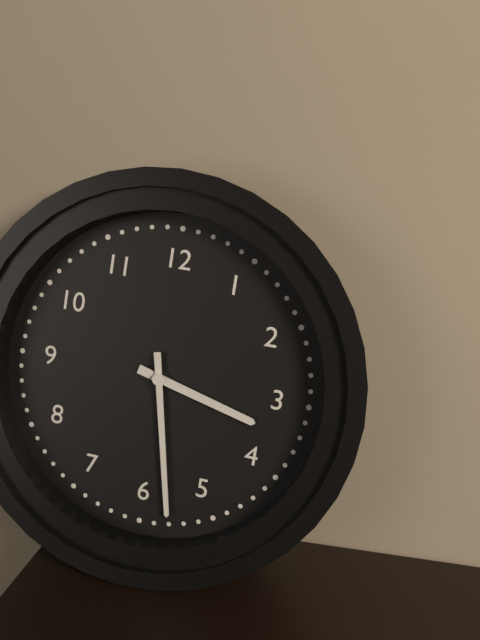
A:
3:28
